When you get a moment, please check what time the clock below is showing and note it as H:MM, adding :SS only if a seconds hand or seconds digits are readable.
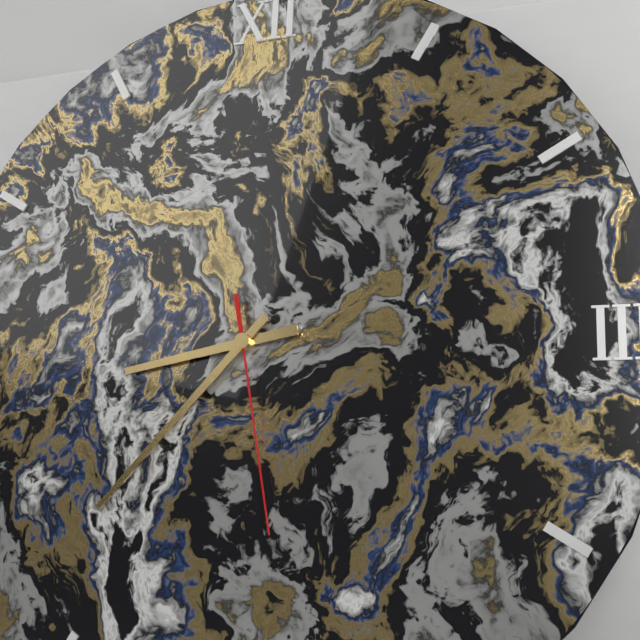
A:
8:37:28
